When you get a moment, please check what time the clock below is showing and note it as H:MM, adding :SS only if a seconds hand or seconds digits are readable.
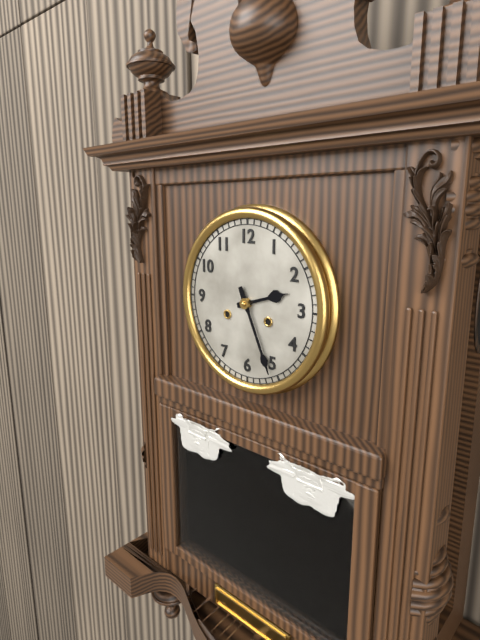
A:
2:26
